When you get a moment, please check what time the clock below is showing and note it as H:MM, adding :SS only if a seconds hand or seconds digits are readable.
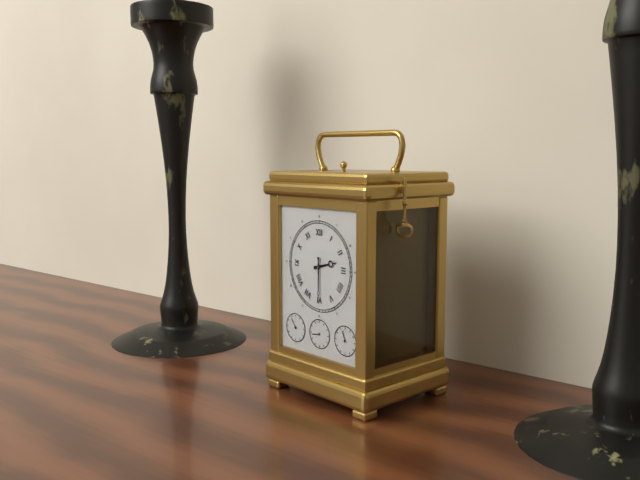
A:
2:30
